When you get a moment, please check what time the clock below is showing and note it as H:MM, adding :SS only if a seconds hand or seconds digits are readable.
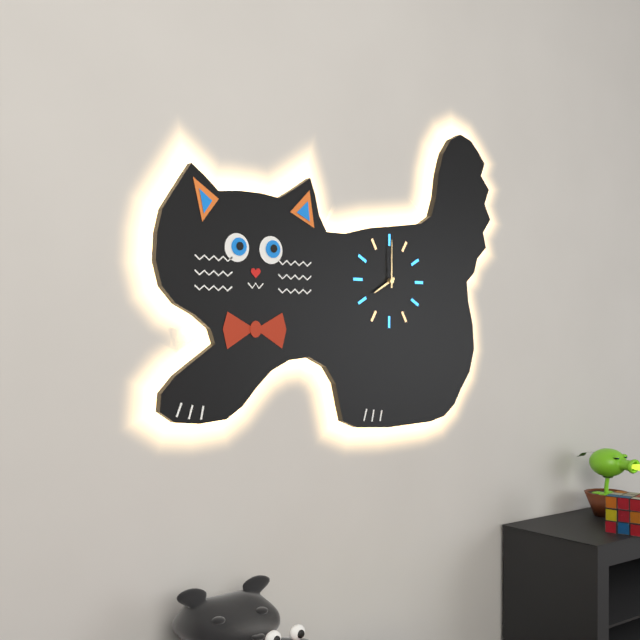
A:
8:00
